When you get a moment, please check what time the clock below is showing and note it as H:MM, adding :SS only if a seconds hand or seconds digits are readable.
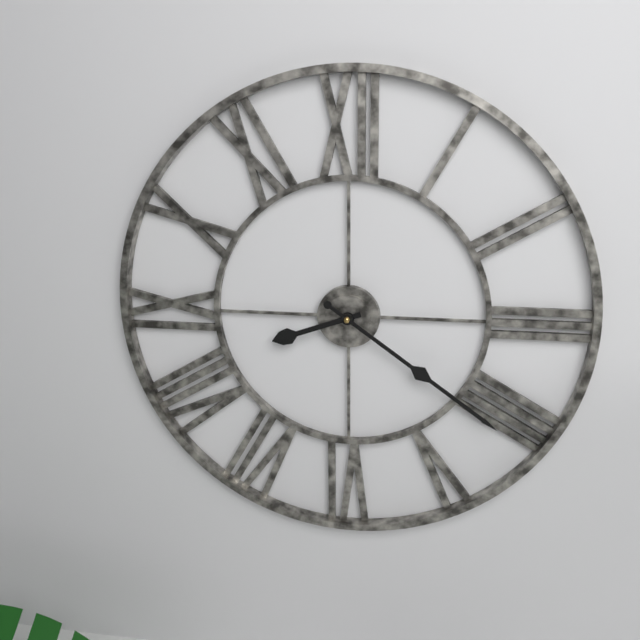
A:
8:21
